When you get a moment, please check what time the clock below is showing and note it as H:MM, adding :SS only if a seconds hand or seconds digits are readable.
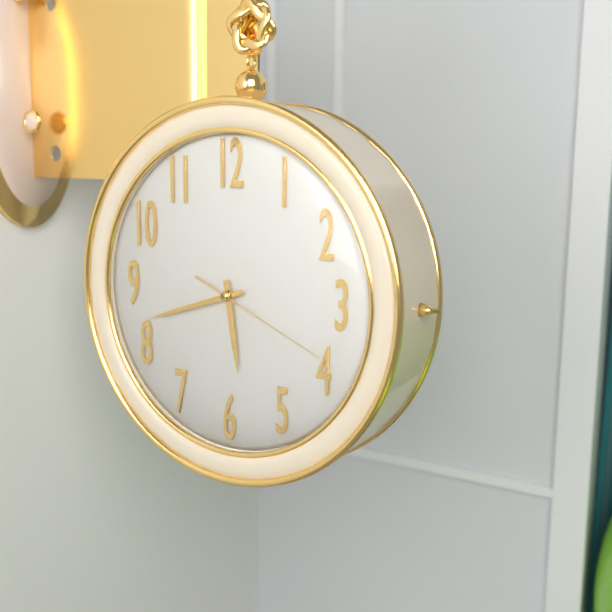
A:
5:42:19
